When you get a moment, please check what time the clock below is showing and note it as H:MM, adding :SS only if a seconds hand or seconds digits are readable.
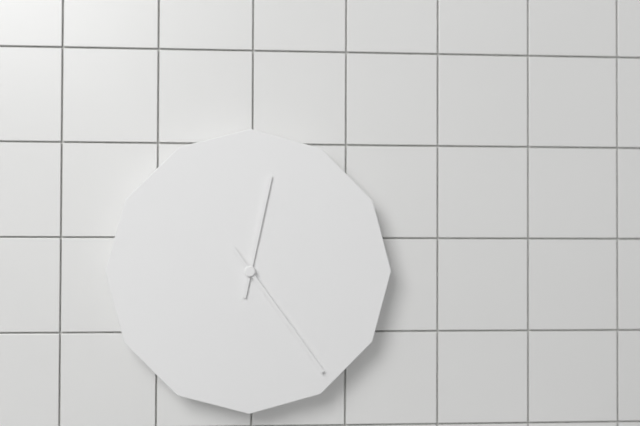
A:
12:24
